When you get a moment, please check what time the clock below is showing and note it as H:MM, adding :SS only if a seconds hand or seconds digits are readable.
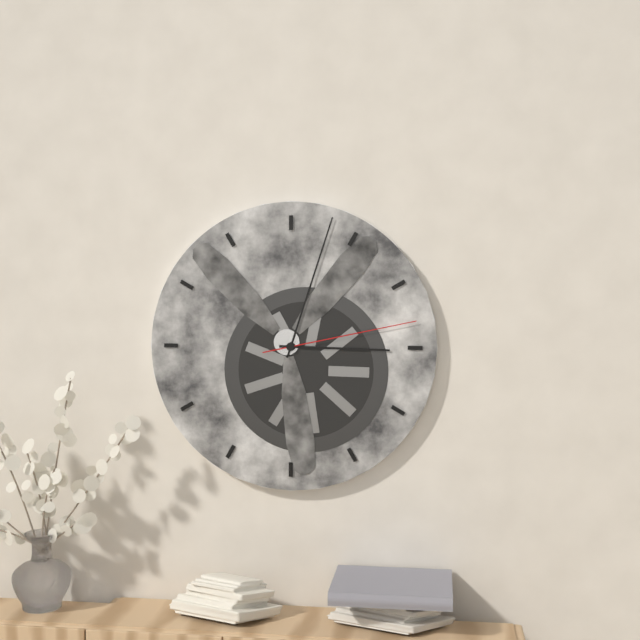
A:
3:03:13
